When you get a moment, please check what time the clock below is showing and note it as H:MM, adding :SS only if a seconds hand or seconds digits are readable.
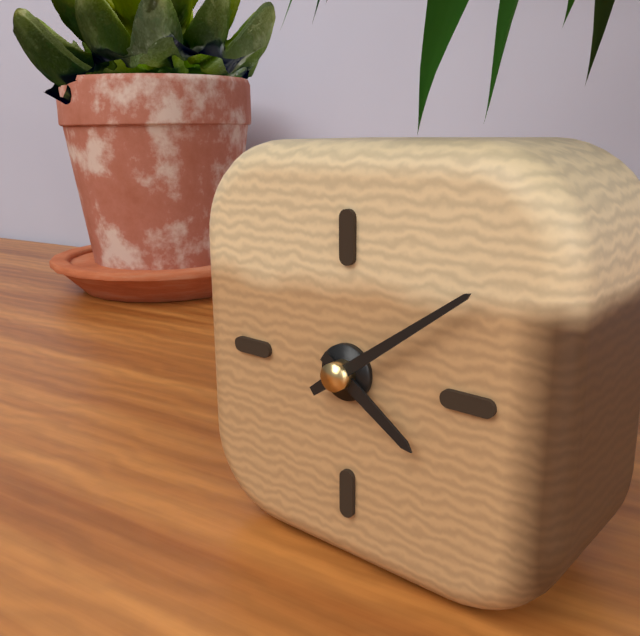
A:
4:09
